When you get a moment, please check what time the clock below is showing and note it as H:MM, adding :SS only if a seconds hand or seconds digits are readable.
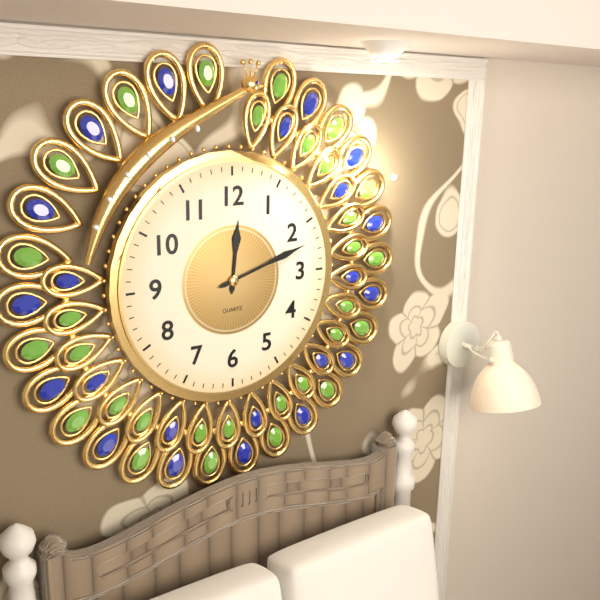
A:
12:12
